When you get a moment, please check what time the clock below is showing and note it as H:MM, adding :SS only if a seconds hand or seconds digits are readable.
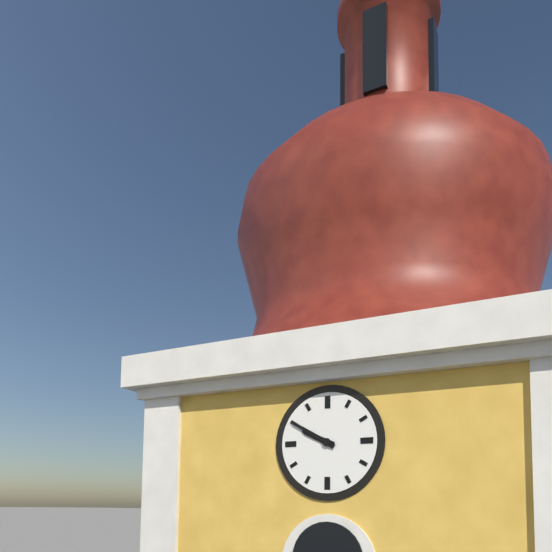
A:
9:50
